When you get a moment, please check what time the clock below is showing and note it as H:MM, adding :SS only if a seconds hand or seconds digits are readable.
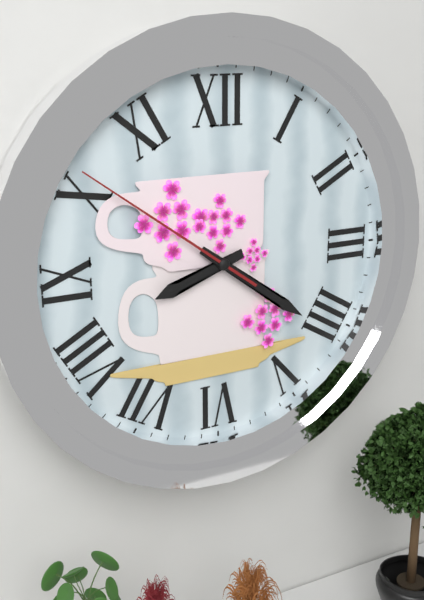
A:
8:21:51
